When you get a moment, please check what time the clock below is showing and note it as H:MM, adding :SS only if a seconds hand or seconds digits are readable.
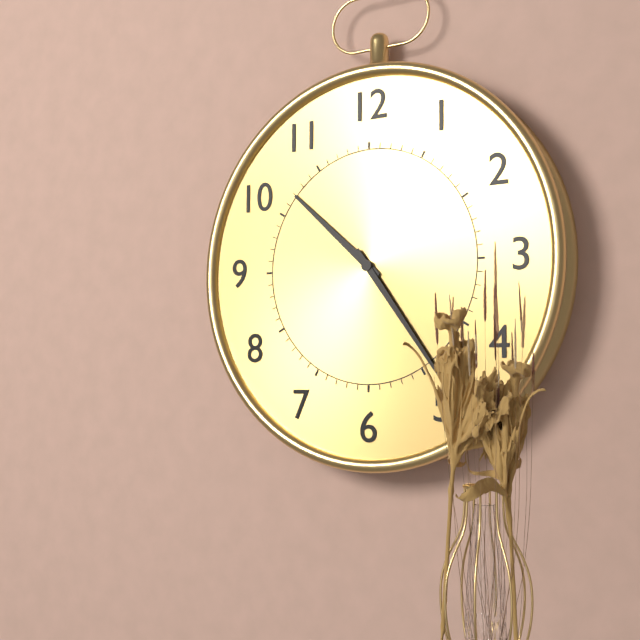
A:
10:24
